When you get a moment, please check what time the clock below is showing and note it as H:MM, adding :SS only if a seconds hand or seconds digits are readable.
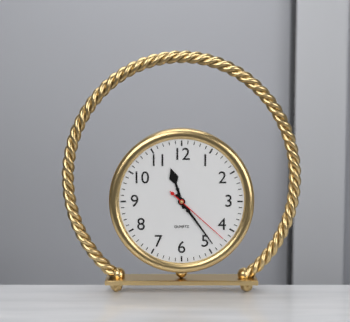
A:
11:24:22
